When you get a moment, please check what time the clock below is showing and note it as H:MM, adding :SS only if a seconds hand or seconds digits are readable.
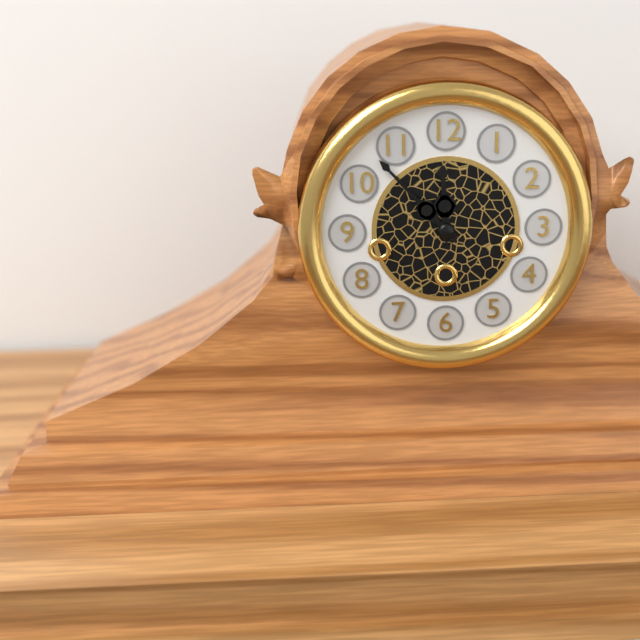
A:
11:53
